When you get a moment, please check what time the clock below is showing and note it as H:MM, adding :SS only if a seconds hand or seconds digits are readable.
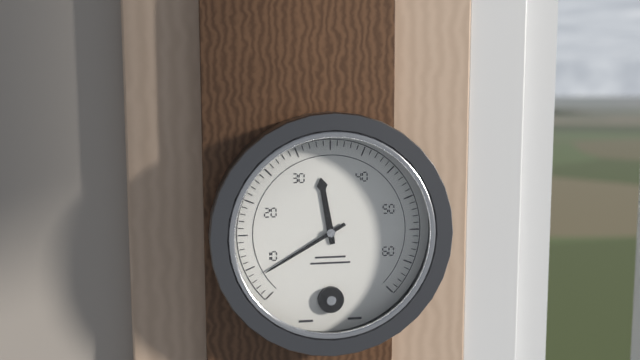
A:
11:40
